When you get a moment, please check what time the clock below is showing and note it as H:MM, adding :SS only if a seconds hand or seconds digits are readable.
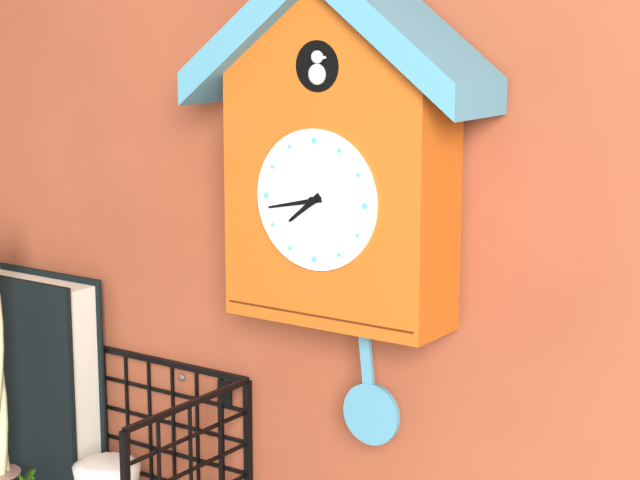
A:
7:43
